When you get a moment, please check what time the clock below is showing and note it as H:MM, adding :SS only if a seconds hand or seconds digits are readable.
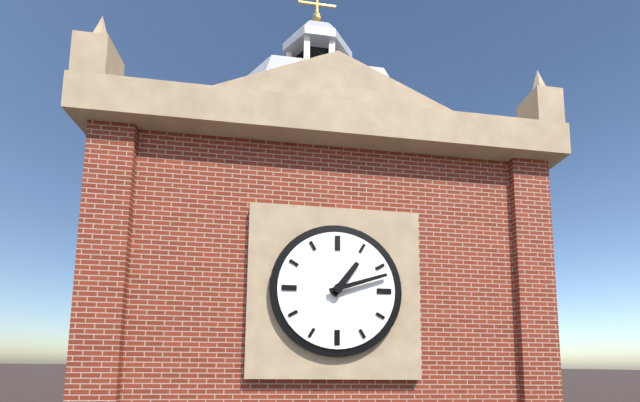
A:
1:12
